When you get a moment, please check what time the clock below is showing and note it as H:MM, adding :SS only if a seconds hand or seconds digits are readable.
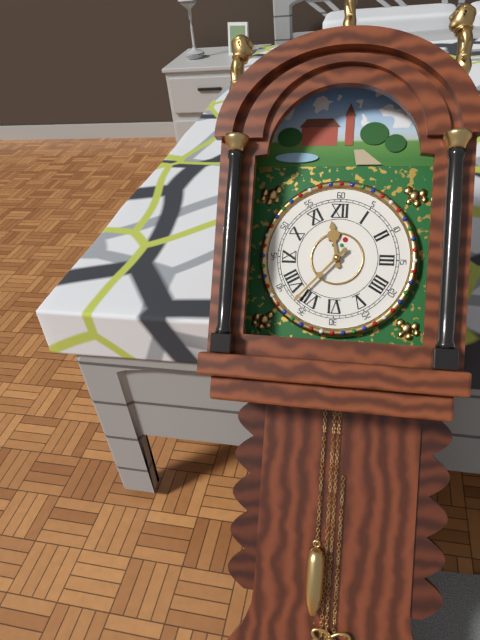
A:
11:37
